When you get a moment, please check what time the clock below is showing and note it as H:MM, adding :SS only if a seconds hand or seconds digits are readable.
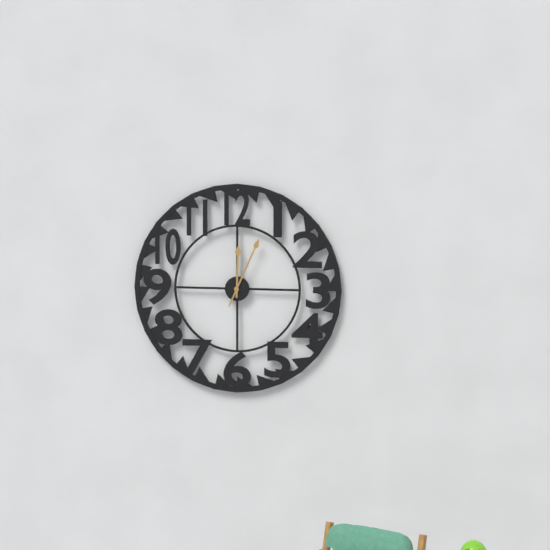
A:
12:04
